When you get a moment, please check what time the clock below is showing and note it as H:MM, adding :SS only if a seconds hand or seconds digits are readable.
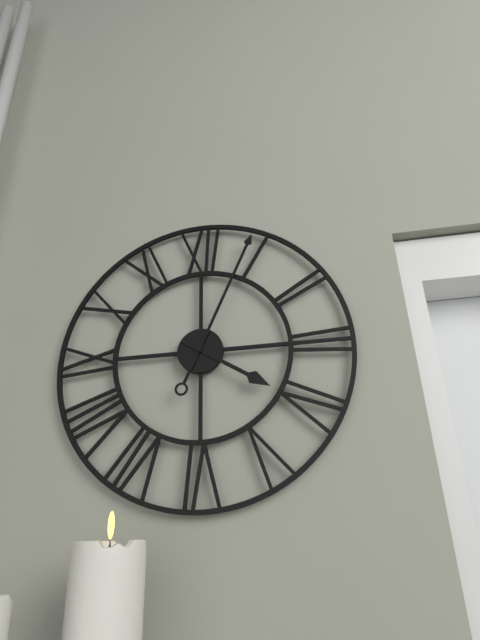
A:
4:04
